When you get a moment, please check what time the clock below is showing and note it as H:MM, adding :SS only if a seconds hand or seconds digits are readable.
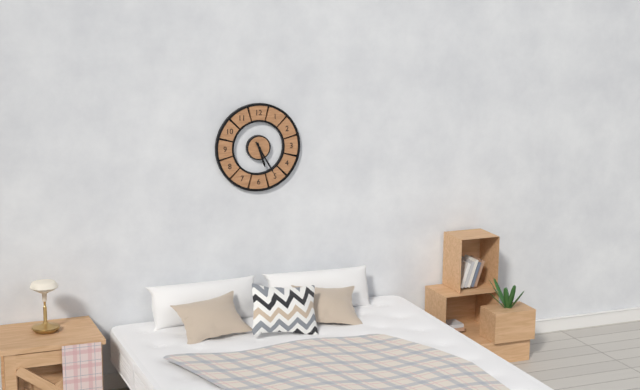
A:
5:25
